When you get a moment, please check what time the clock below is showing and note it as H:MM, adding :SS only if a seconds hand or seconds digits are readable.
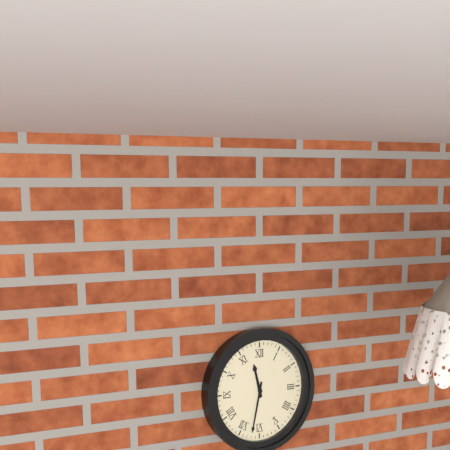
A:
11:32
